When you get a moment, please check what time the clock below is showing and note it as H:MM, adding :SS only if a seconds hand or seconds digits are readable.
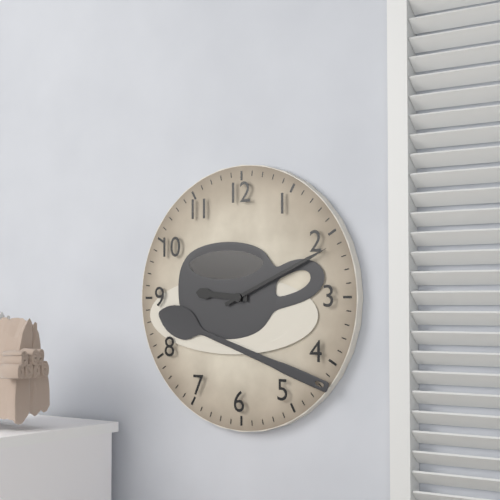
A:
9:11
